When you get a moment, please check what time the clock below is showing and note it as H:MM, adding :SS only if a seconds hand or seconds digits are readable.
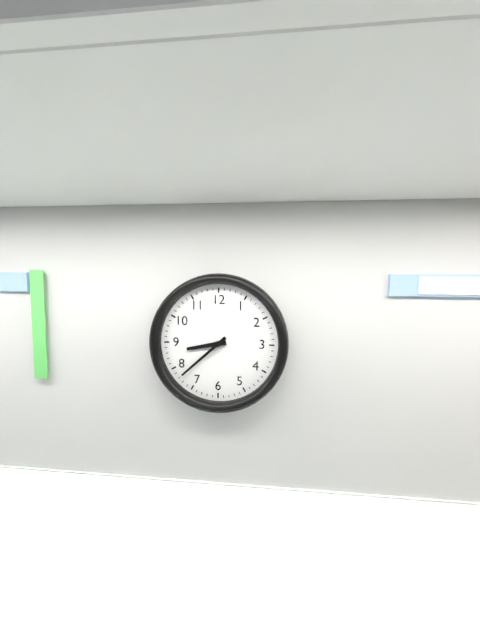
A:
8:38
